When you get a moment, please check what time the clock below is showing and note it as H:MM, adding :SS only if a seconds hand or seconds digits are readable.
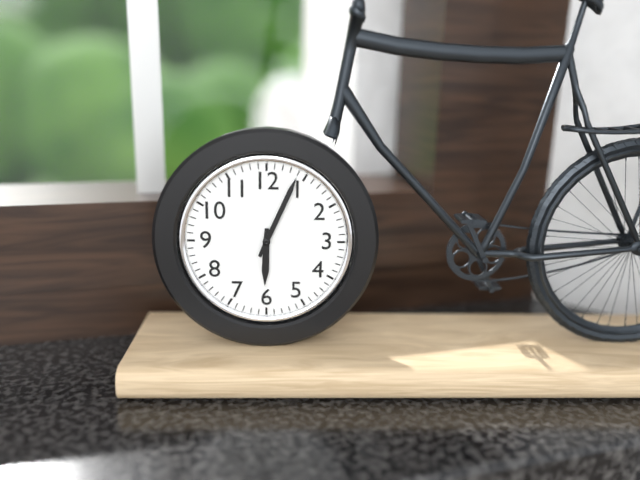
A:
6:04
